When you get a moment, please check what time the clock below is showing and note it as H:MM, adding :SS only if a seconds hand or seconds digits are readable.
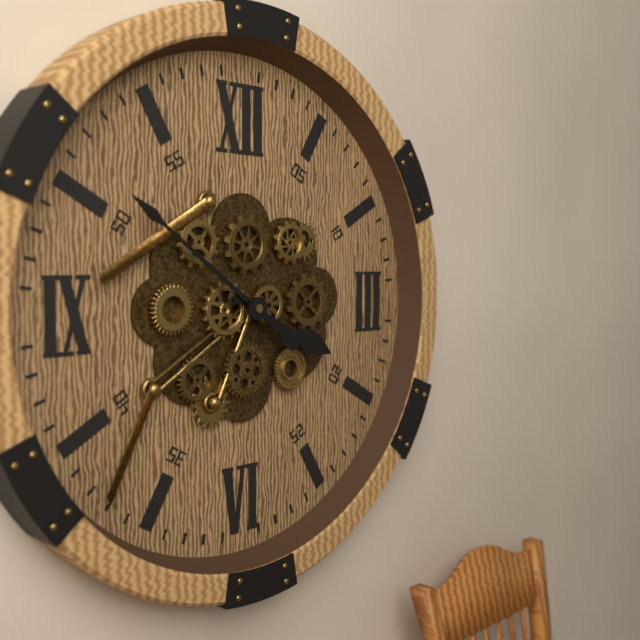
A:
3:51
